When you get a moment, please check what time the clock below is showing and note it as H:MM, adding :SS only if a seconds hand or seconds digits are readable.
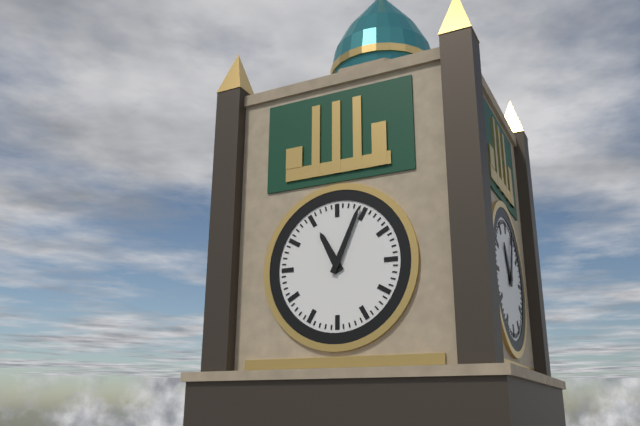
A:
11:04
